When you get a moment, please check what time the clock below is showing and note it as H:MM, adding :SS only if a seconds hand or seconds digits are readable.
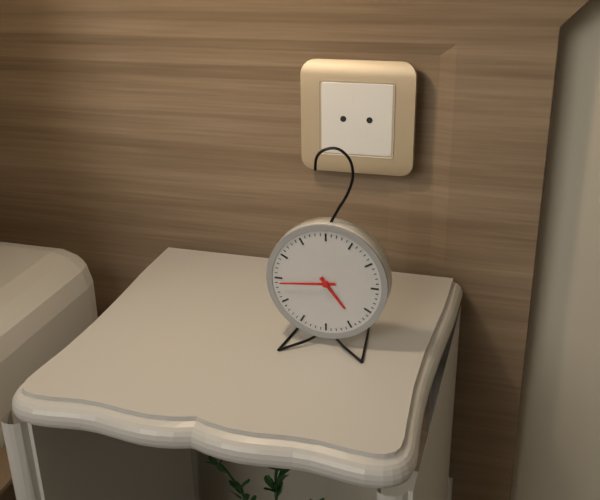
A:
4:44
